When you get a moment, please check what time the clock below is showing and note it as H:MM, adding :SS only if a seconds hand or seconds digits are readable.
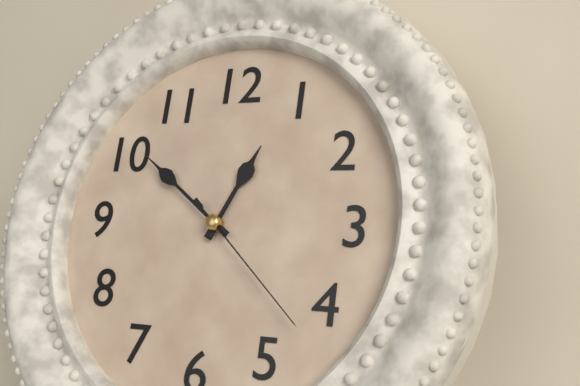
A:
12:51:22
